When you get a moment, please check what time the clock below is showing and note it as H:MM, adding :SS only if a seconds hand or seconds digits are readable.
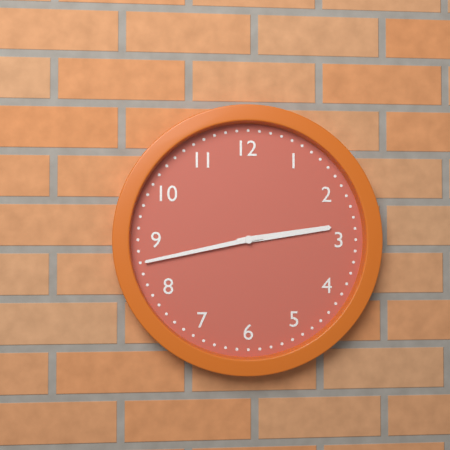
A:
2:43
